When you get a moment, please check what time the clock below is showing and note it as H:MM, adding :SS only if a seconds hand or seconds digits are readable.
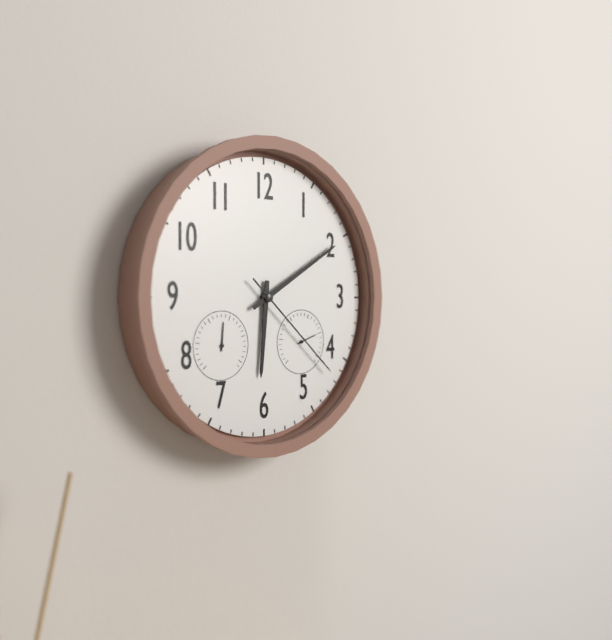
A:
6:10:22
